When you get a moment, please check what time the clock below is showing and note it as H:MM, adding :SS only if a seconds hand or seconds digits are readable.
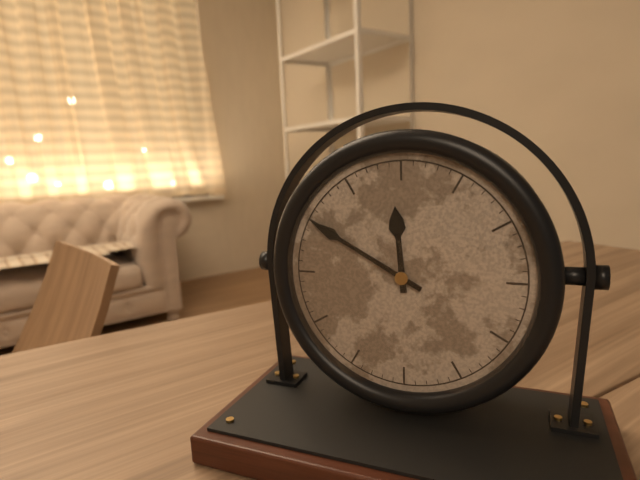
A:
11:50
